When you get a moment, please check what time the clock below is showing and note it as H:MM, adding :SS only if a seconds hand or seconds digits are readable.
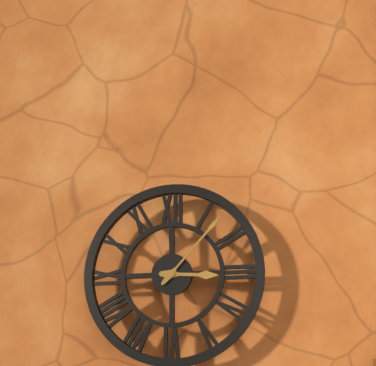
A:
3:07
